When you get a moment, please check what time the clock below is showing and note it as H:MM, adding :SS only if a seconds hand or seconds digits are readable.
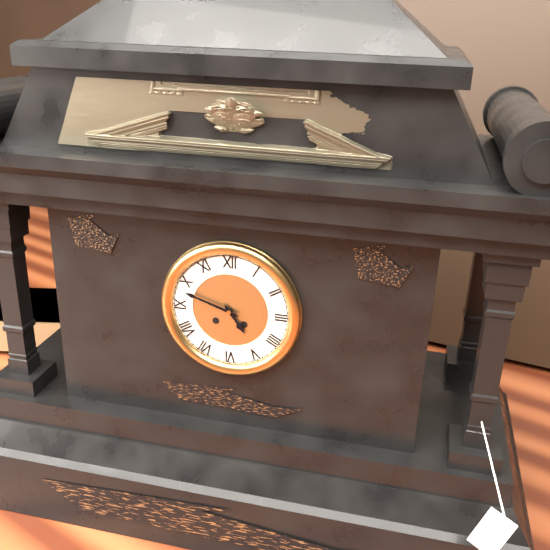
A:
4:48
